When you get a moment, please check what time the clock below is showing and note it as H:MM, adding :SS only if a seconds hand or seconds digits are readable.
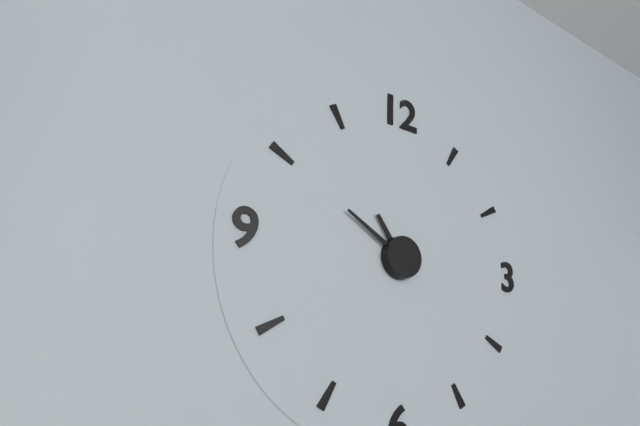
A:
10:50
